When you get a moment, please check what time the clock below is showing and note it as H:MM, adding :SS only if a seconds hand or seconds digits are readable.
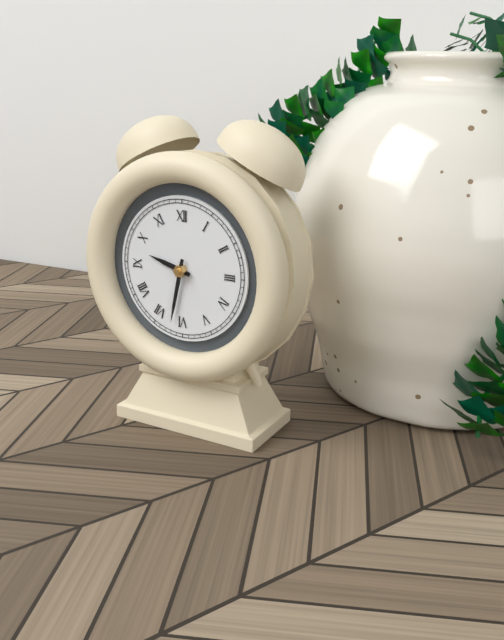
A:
9:32
